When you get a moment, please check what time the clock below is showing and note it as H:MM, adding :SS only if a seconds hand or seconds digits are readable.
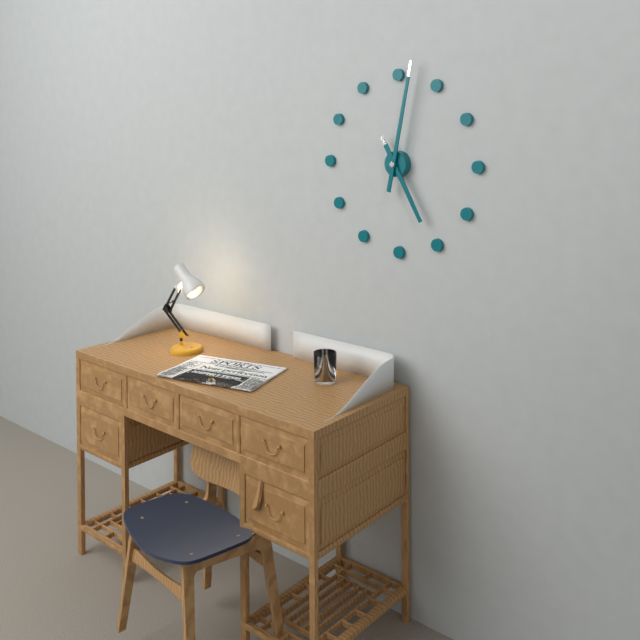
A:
5:02
